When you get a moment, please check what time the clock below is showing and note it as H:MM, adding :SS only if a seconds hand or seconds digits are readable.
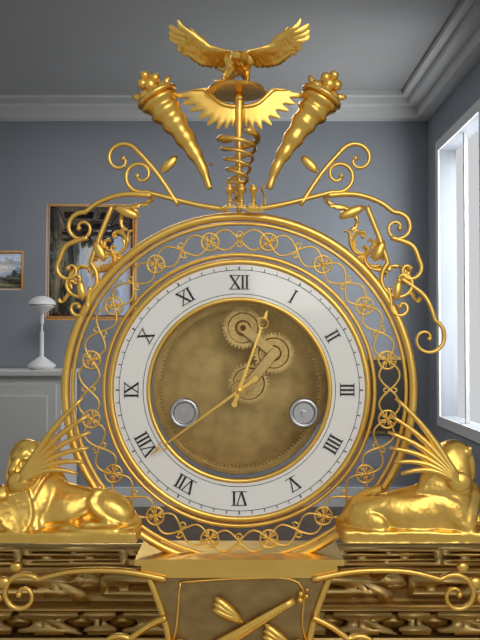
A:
12:39
